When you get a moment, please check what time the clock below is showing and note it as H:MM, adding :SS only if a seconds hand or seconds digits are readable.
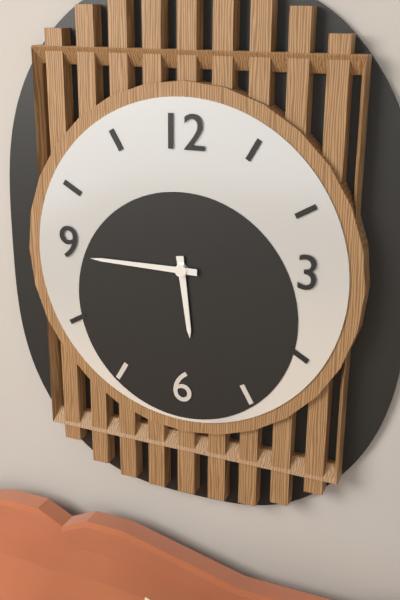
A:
5:45
